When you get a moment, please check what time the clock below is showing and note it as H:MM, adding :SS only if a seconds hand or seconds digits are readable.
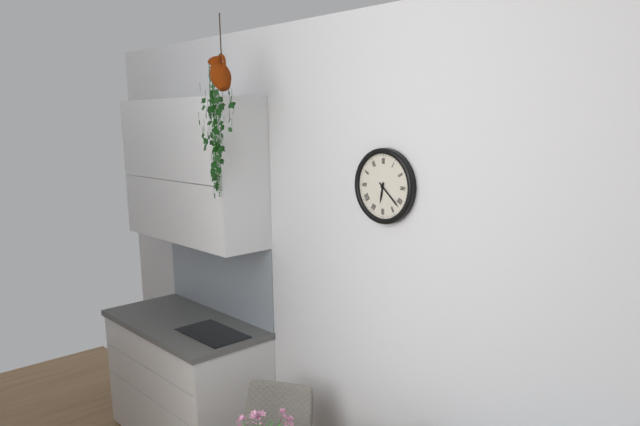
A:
6:22
